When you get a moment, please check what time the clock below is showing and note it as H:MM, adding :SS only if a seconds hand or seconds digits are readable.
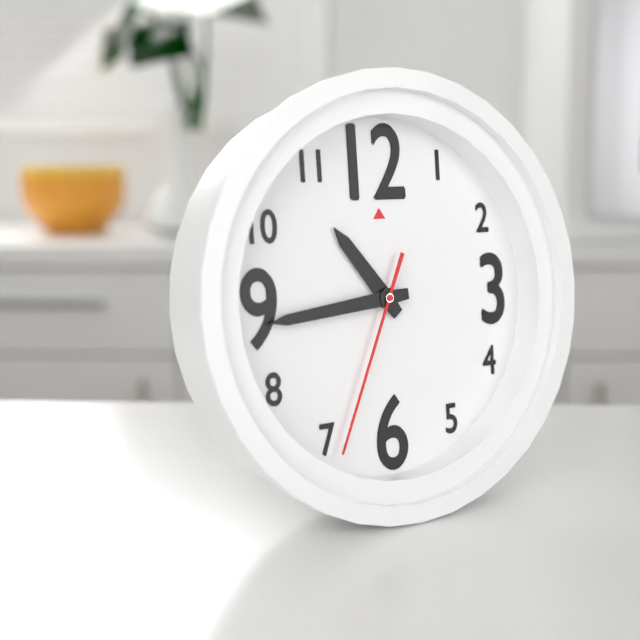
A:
10:44:34
